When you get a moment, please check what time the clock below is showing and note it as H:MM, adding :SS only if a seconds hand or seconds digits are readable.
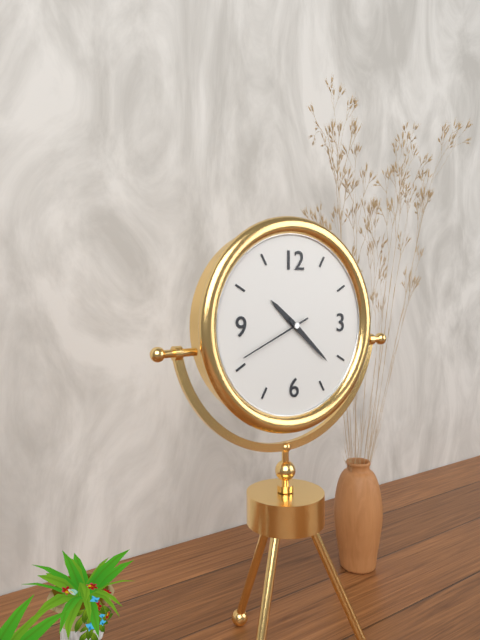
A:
10:22:41
